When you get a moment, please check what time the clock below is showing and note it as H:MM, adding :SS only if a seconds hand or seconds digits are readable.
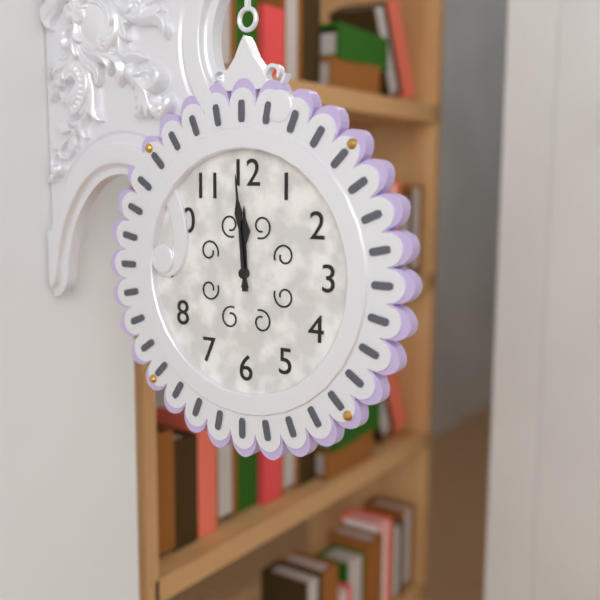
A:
11:59
